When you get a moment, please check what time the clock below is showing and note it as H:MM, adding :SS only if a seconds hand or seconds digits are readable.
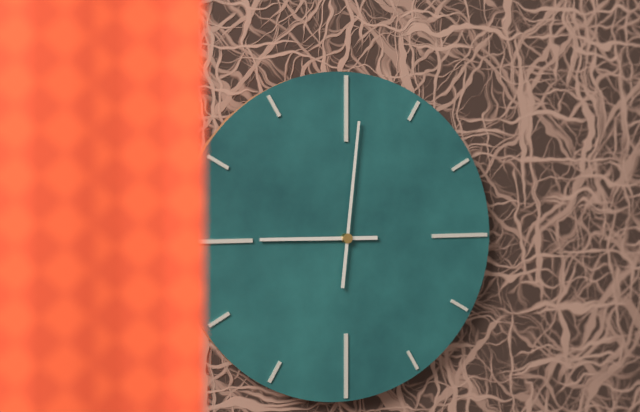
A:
9:01
